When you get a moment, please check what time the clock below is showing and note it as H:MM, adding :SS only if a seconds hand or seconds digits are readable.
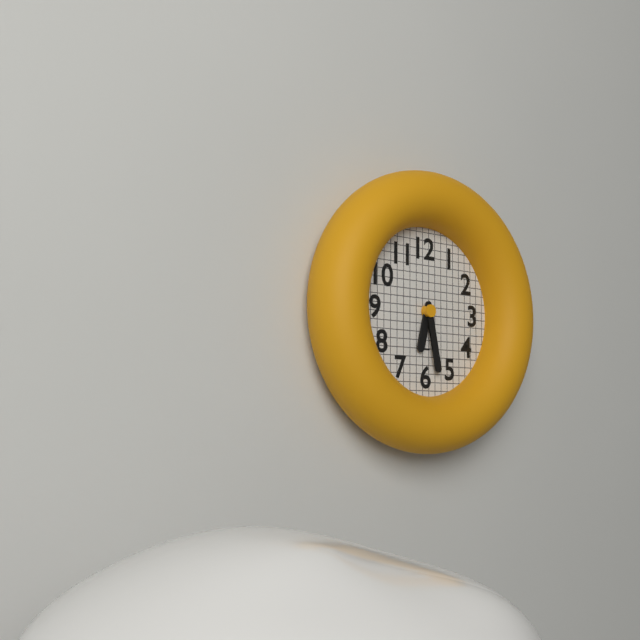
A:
6:28
